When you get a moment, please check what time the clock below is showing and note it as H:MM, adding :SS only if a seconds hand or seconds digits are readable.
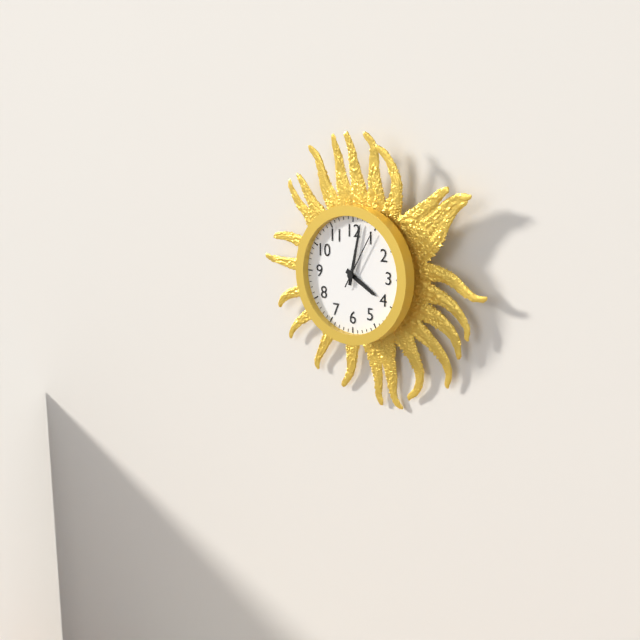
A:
4:02:05
